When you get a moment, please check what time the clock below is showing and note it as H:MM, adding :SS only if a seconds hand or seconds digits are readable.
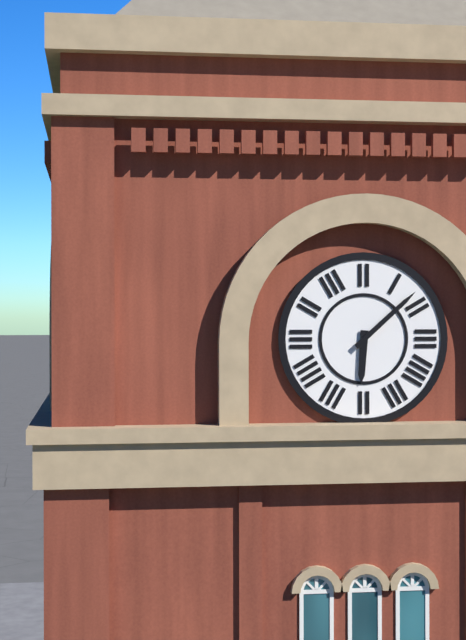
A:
6:08
